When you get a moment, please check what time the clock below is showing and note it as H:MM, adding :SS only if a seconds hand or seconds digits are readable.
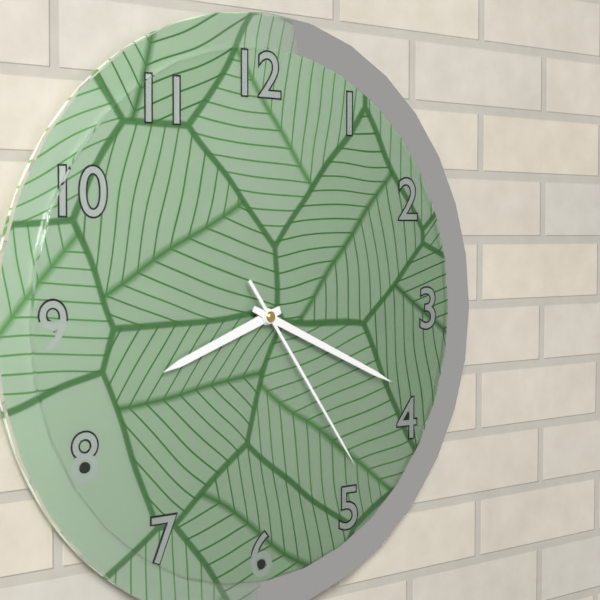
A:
8:19:24
